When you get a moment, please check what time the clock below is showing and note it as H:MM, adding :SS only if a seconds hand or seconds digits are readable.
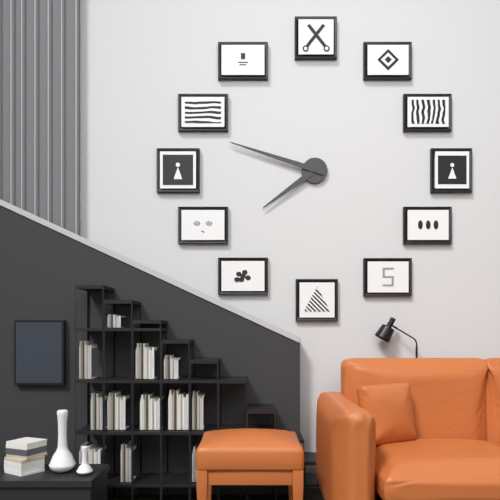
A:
7:48
